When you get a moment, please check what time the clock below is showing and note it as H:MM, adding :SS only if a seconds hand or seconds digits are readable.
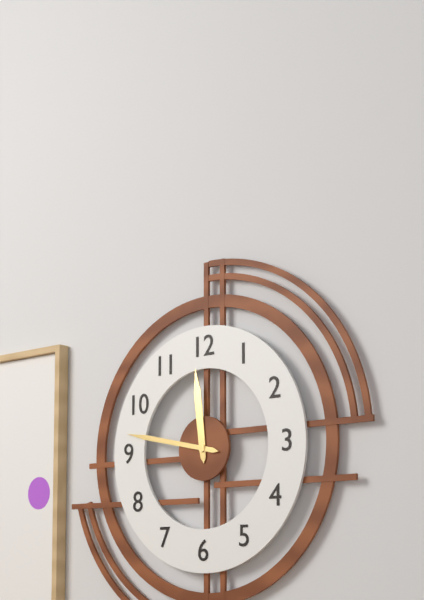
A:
11:47
